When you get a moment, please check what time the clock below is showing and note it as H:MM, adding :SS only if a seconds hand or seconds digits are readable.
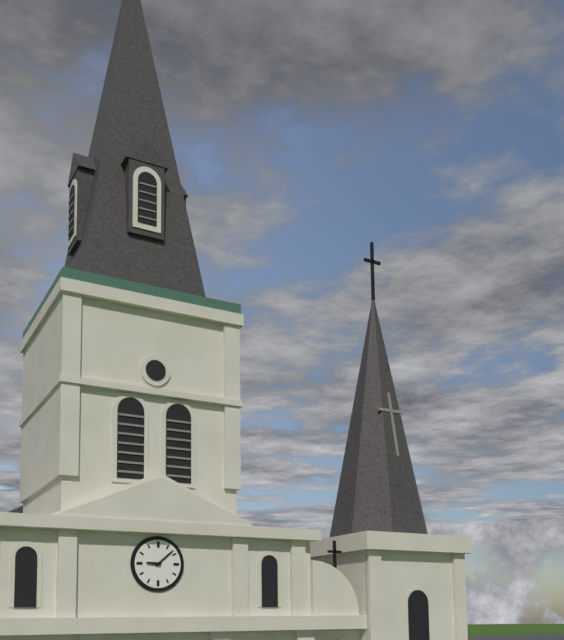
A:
9:08
